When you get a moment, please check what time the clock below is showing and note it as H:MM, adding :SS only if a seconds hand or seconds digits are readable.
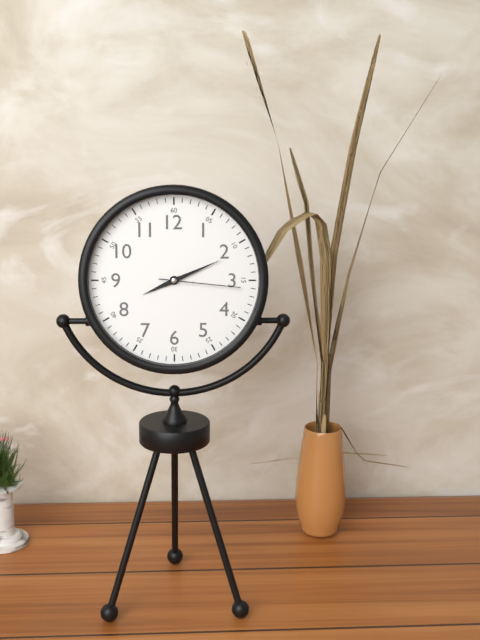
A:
8:11:16
